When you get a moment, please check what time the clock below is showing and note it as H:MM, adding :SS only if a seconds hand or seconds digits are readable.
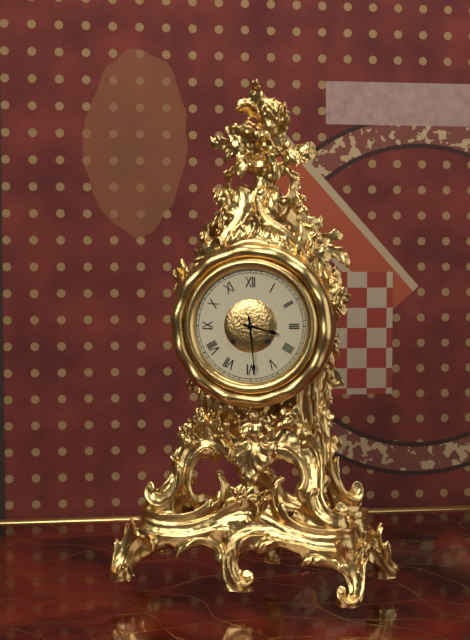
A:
3:29
